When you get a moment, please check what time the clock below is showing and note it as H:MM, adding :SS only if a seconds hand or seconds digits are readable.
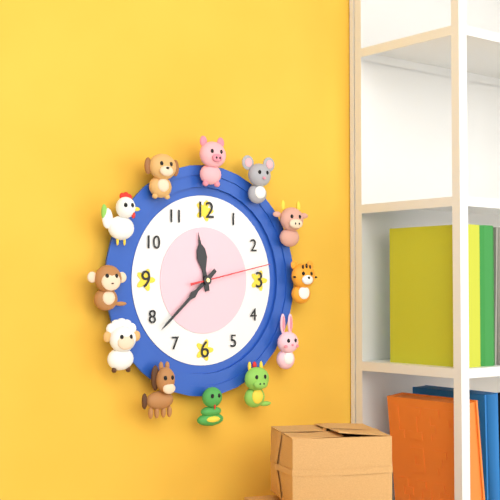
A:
11:38:13
